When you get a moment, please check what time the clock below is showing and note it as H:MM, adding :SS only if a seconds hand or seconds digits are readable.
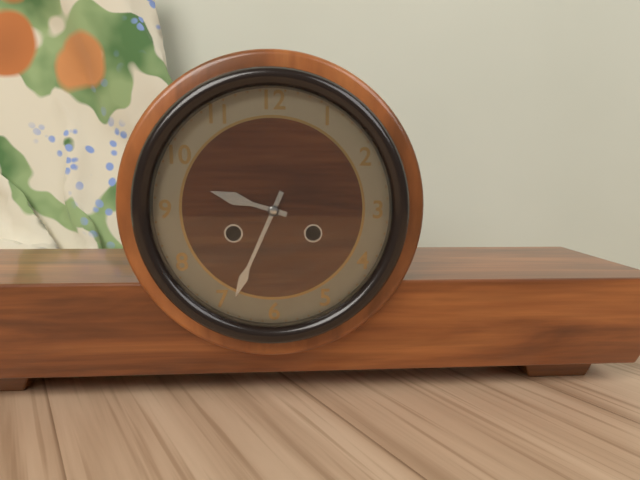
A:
9:34
